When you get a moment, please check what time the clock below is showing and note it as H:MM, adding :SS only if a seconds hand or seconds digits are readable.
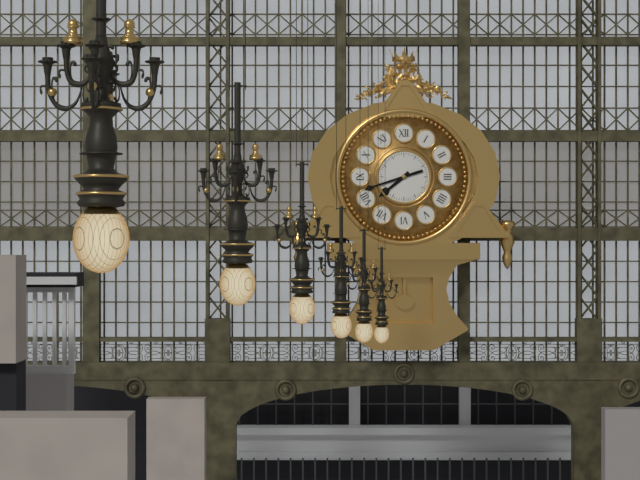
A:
7:42
